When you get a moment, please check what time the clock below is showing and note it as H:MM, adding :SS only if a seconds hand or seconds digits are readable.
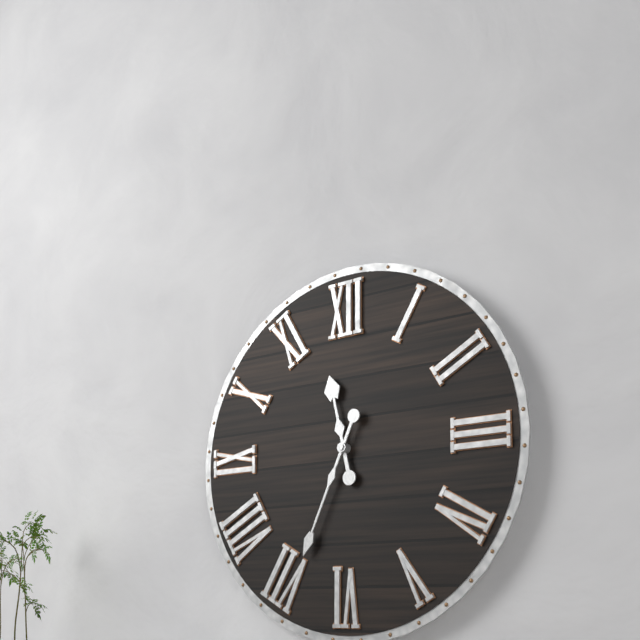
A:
11:34
